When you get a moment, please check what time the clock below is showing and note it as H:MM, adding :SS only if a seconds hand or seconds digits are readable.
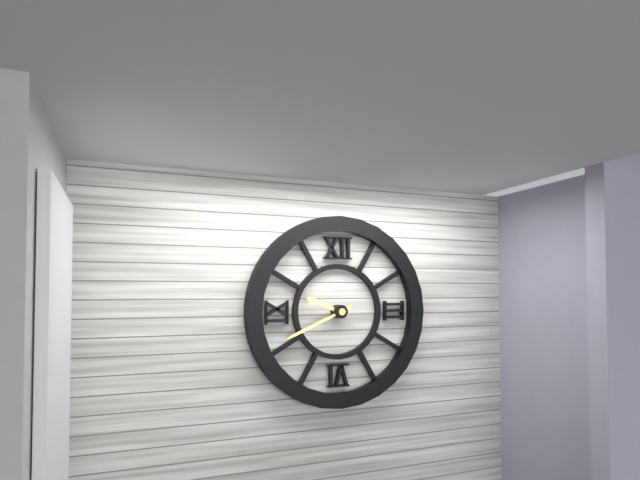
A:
9:41
